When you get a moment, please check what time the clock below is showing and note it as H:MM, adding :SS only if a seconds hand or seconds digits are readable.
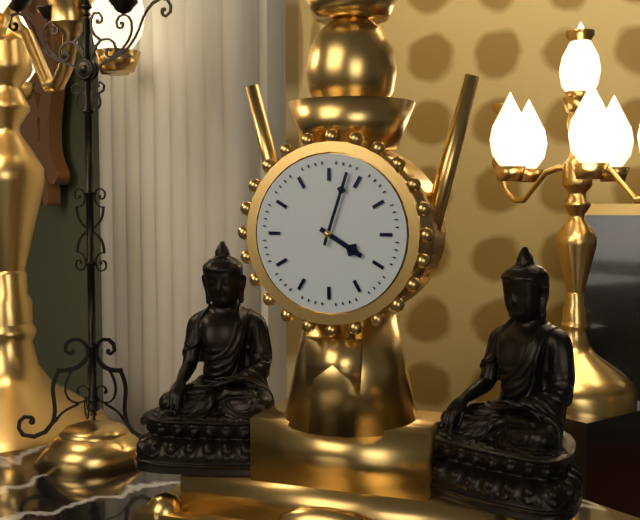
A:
4:03
